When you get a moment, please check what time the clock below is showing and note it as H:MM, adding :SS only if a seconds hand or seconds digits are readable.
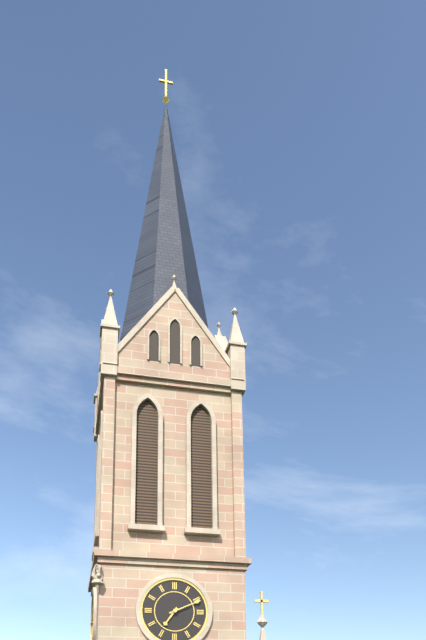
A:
7:11
